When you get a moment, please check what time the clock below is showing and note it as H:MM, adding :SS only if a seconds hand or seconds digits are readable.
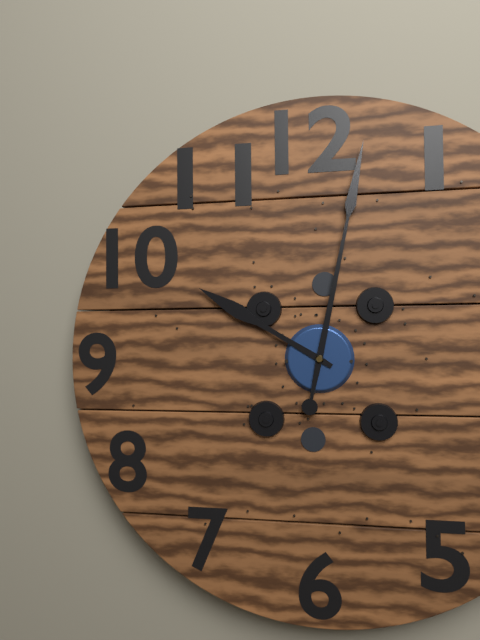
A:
10:02
